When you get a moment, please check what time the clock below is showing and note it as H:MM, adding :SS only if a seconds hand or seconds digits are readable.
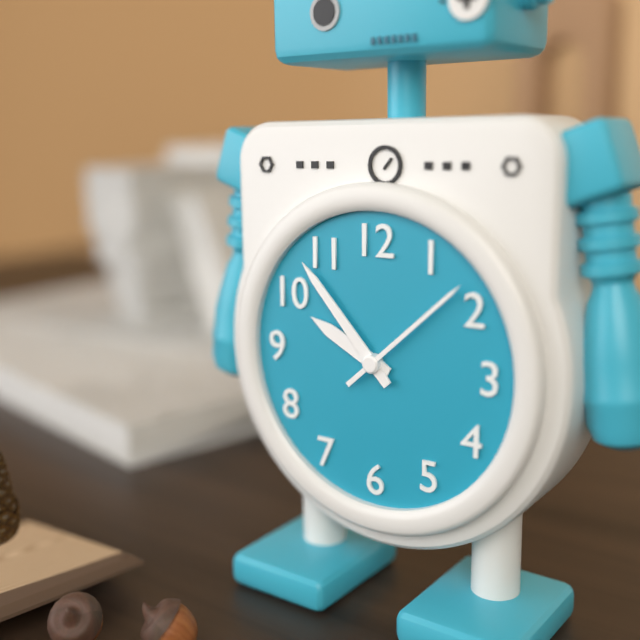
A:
9:53:08
